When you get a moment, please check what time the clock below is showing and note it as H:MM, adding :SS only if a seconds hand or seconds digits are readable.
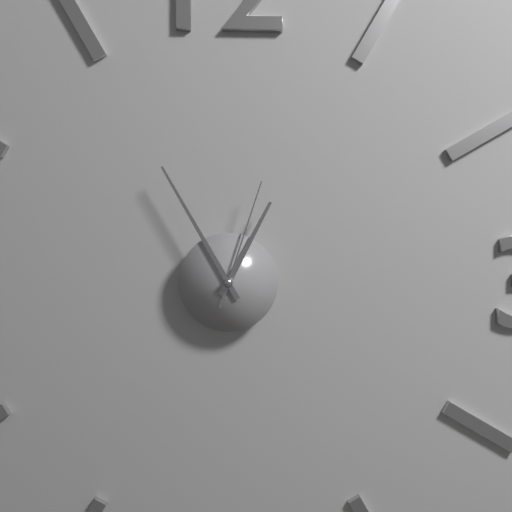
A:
12:55:03
